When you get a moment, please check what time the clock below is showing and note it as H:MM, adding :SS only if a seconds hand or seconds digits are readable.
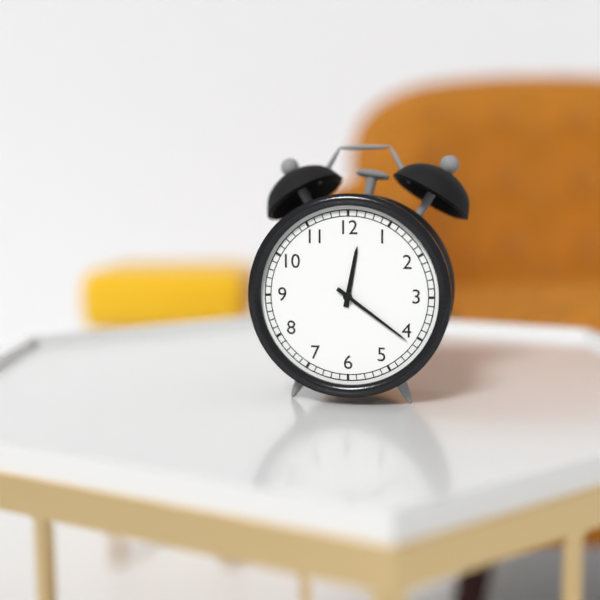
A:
12:21
